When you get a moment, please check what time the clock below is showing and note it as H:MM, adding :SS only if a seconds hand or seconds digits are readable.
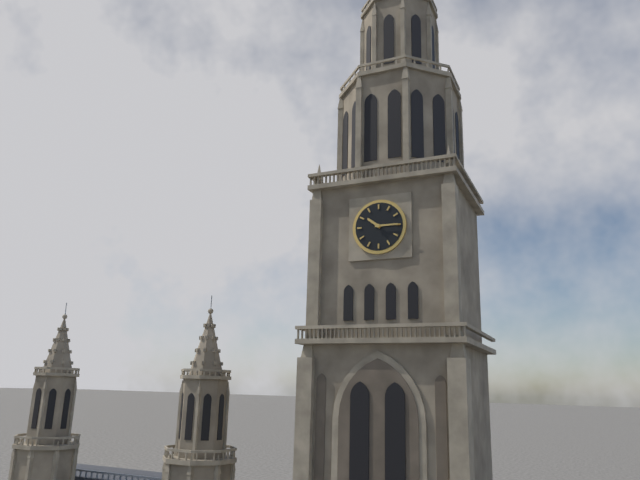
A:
10:15
